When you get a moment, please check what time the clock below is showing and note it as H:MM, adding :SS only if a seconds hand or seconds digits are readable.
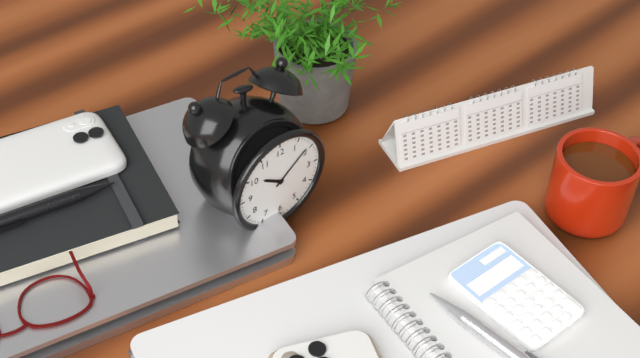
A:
10:09
